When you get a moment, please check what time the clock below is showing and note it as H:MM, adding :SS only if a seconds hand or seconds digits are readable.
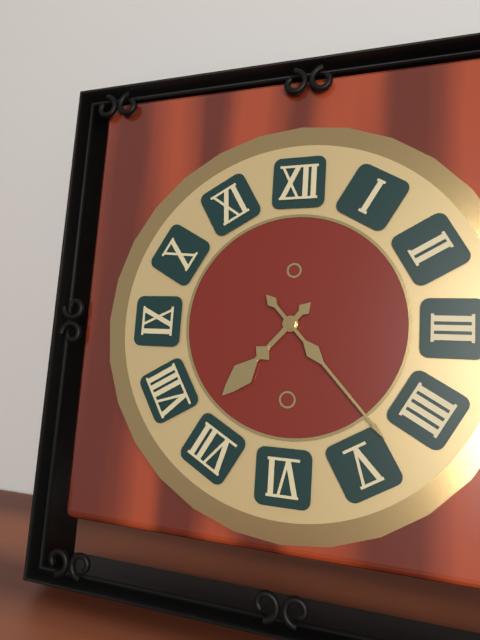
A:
7:23
